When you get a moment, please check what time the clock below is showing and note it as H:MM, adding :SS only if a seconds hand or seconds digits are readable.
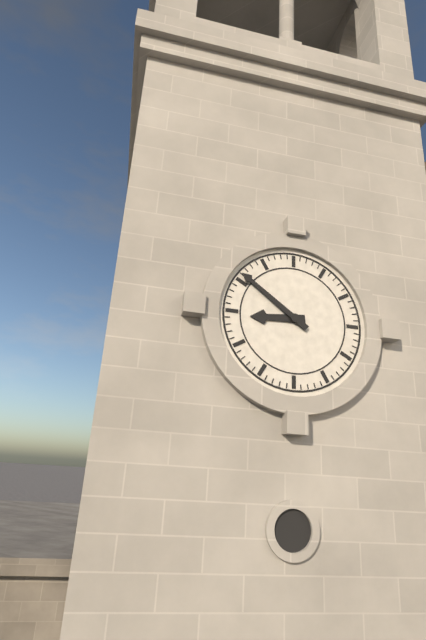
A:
8:51
